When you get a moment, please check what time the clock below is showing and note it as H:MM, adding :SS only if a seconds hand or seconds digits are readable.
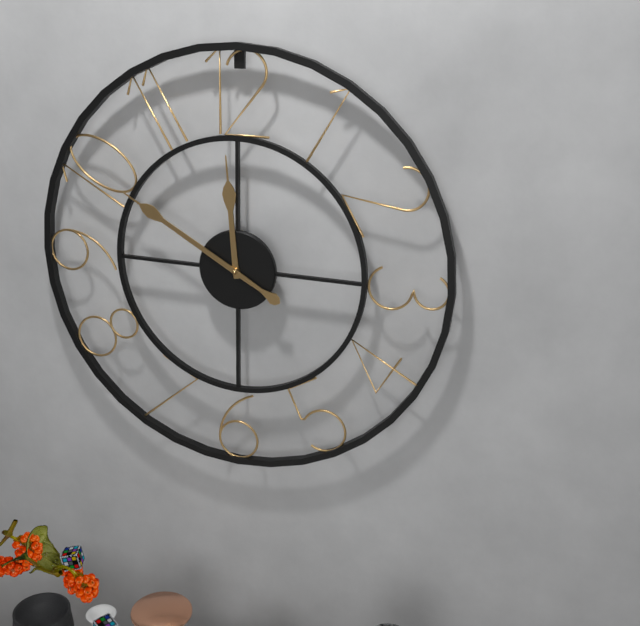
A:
11:50
